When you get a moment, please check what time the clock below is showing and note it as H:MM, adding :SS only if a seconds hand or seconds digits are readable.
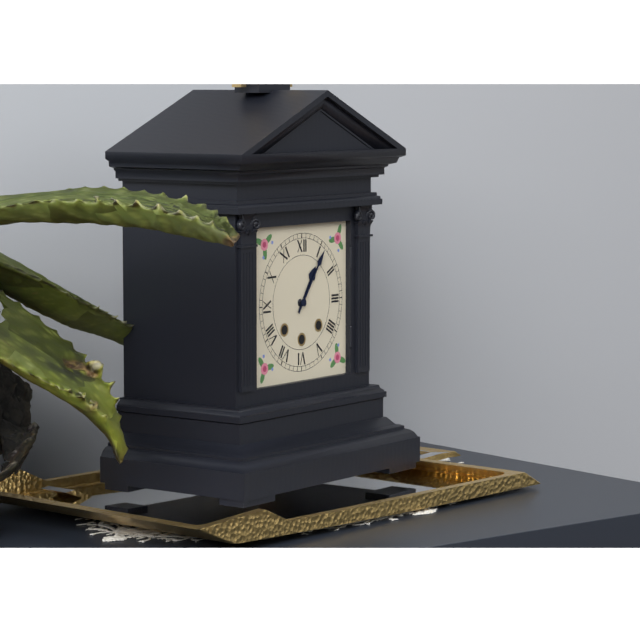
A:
1:06
